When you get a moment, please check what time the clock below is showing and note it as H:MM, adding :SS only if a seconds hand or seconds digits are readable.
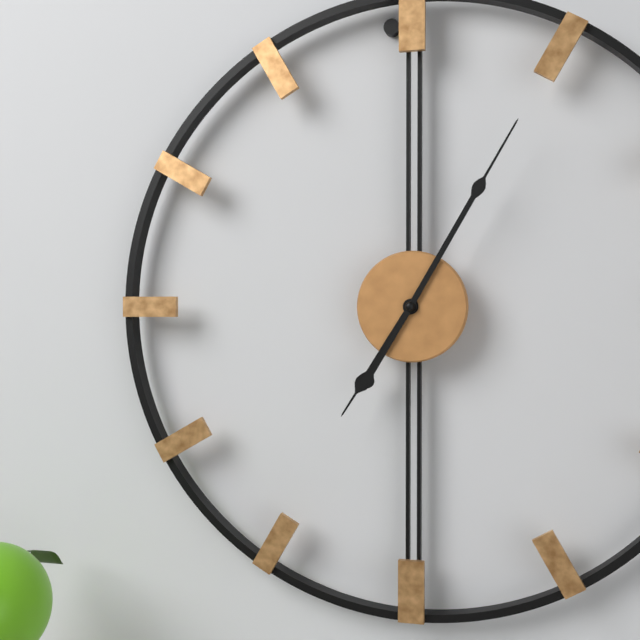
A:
7:05
